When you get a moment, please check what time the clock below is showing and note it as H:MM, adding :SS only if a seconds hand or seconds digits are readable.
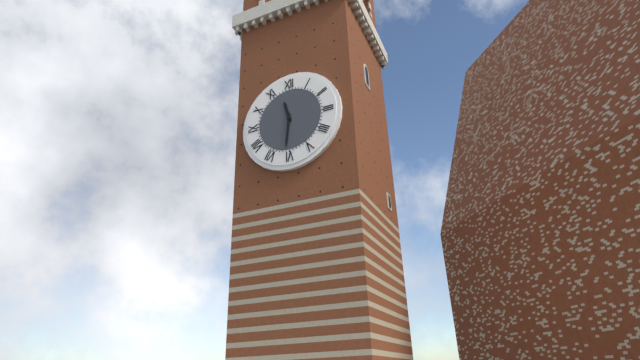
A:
11:31
